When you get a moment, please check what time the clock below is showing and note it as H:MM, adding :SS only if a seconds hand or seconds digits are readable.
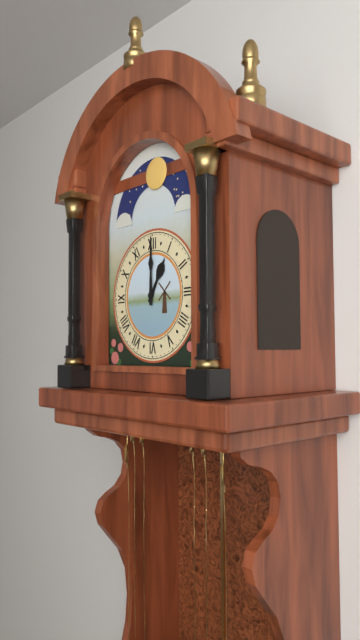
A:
1:00
